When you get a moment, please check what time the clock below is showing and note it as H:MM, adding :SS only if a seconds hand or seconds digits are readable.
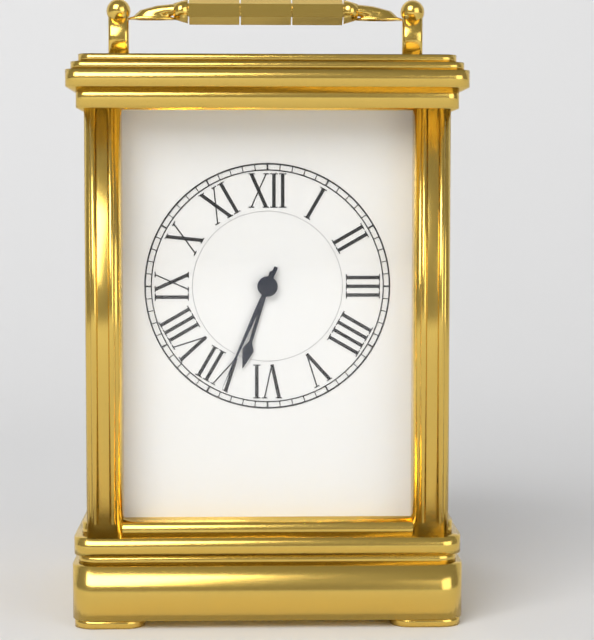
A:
6:34
